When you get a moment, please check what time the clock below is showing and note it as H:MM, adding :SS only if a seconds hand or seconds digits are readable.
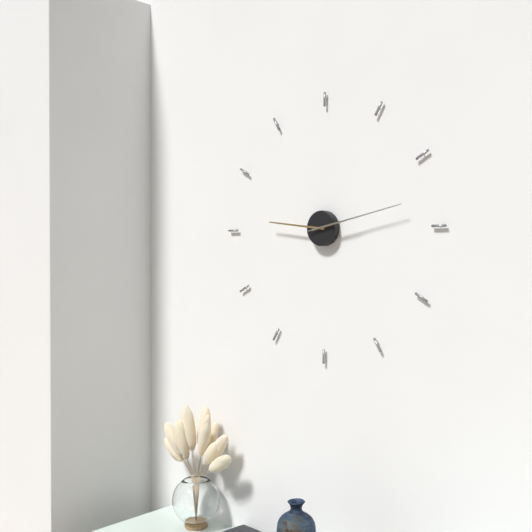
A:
9:13
